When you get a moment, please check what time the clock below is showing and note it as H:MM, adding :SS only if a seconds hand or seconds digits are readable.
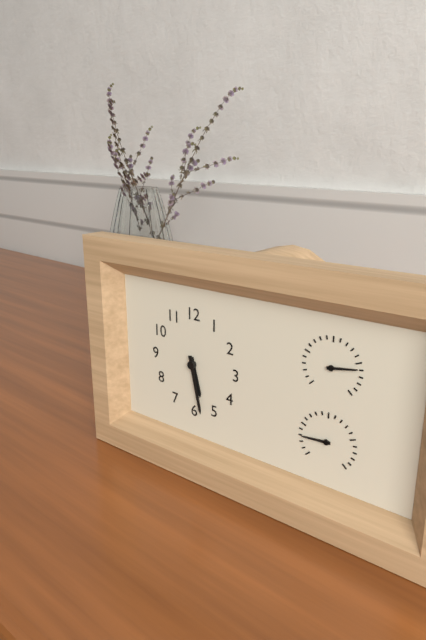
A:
5:28
